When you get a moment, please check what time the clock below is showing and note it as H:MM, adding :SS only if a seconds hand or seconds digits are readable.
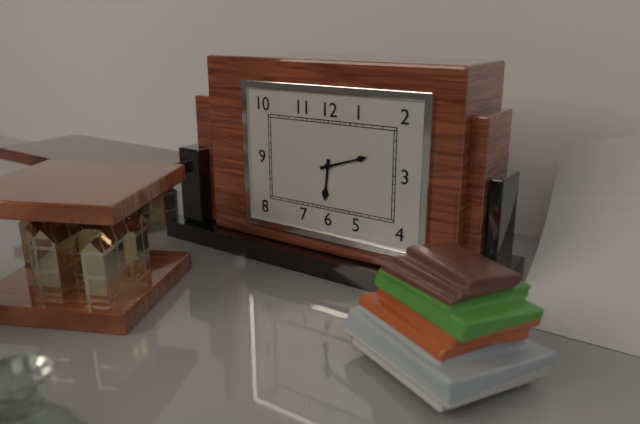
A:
6:12
